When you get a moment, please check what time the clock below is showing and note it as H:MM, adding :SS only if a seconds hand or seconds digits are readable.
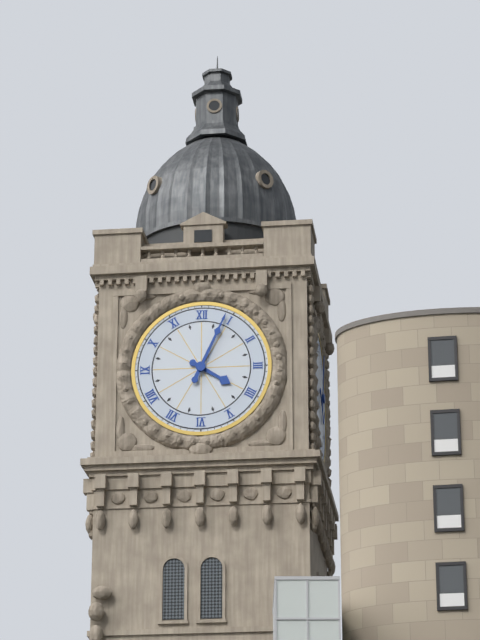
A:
4:04
